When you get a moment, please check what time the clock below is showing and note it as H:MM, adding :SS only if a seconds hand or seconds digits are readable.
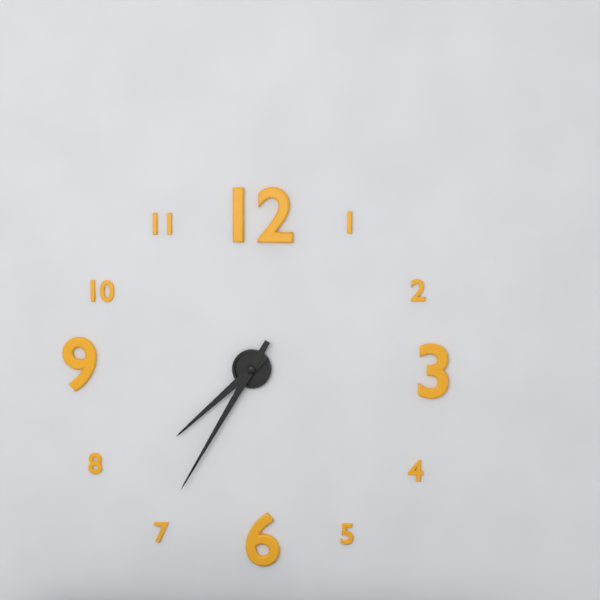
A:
7:35
